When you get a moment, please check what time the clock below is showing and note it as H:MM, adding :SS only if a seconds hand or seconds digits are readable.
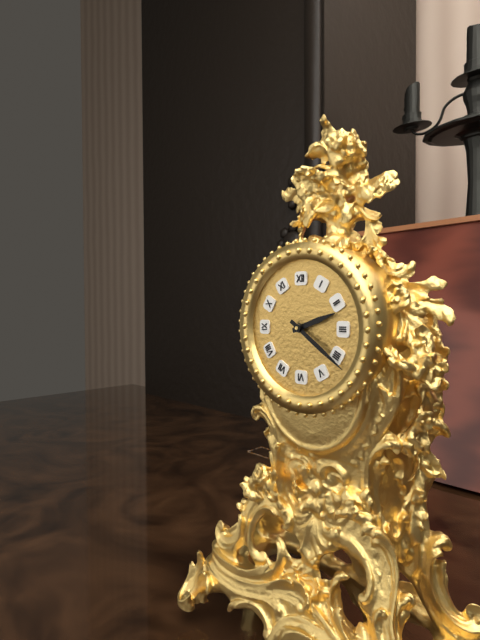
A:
2:21
